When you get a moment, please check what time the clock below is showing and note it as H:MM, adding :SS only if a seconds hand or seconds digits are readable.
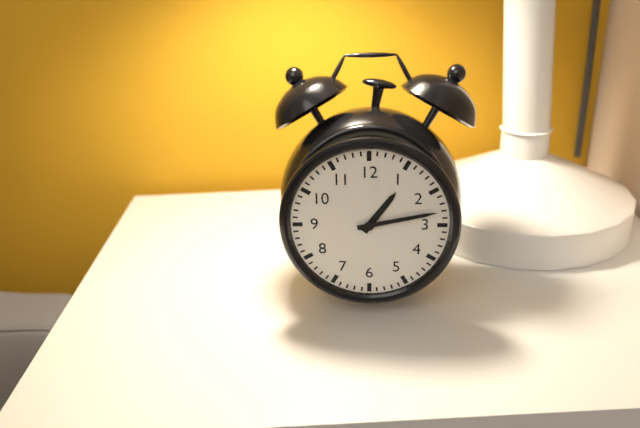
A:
1:13
